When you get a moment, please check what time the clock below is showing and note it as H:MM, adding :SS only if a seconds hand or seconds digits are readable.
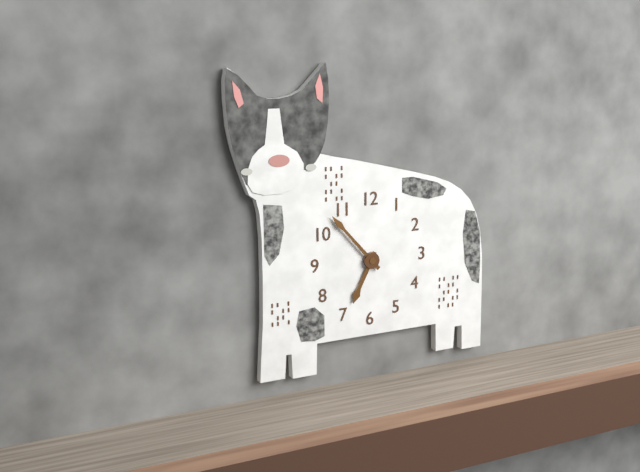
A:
6:53
